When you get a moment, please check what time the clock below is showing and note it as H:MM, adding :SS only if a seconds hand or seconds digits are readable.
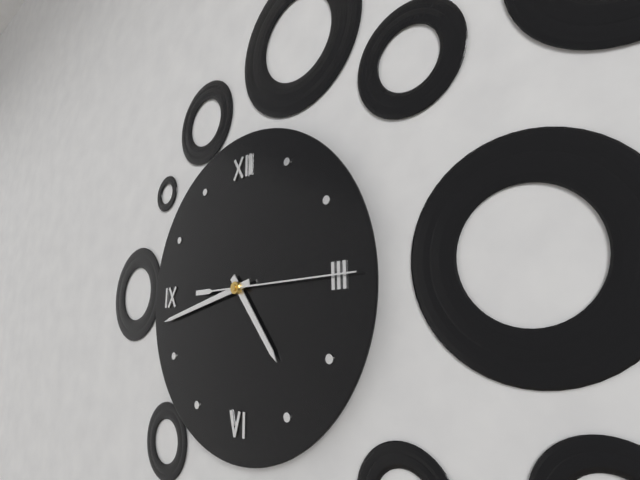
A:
4:43:15
